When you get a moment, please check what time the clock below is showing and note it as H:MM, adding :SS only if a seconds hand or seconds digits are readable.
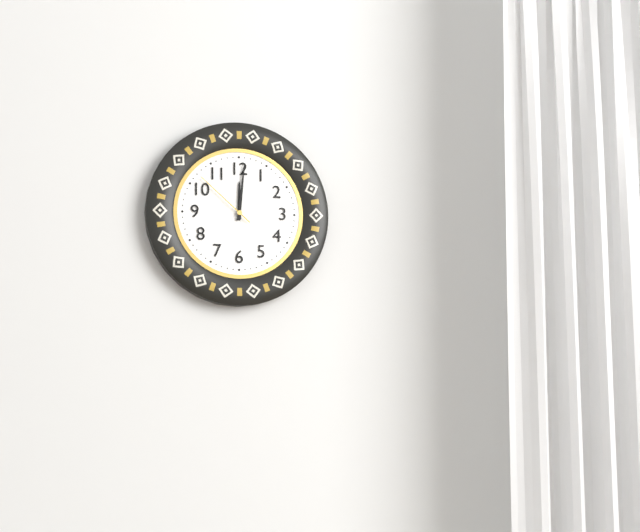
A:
12:01:52
